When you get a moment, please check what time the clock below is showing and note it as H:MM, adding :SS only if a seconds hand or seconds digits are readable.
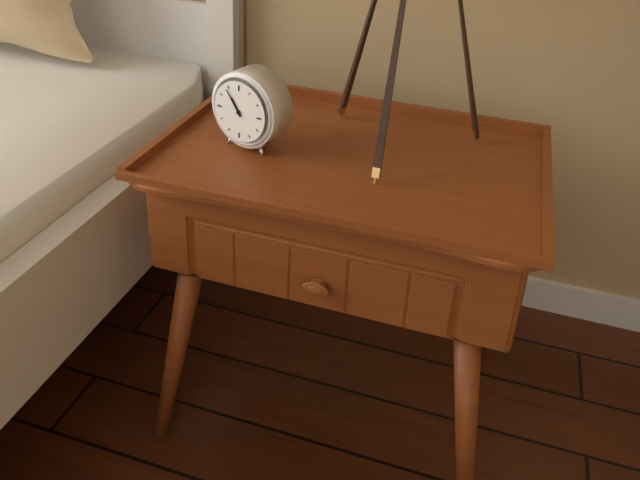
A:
10:54
